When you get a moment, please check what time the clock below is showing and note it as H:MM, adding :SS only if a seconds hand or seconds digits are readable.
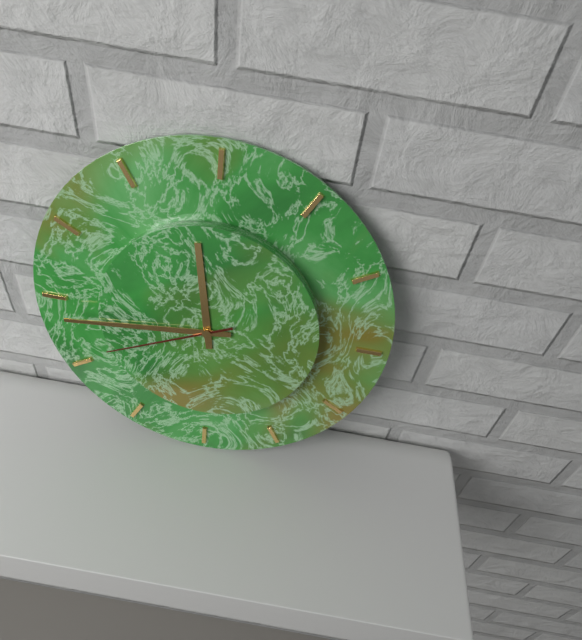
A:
11:44:41
